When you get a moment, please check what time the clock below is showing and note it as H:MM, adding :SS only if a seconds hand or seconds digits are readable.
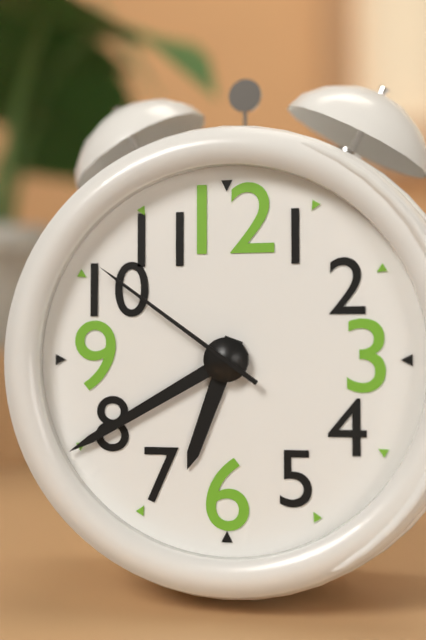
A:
6:40:51
